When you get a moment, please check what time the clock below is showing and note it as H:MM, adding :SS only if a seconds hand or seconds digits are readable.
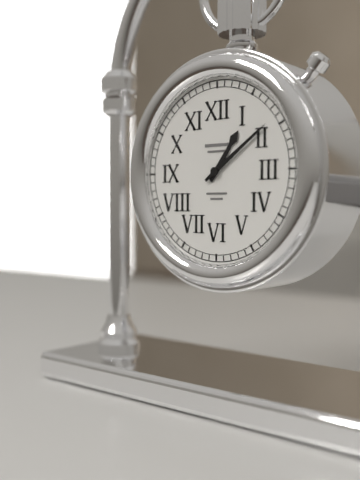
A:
1:09
